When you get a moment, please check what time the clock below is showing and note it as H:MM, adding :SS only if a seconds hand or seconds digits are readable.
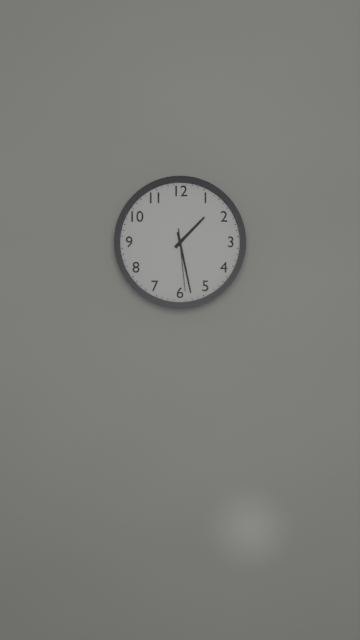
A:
1:28:29
